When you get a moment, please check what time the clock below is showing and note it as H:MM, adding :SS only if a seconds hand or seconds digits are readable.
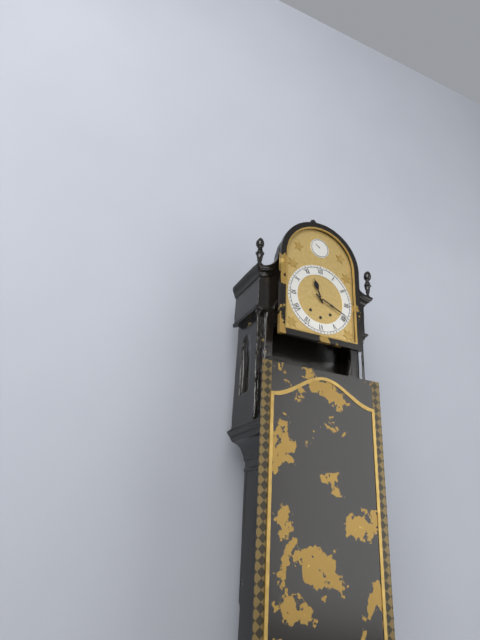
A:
11:19
